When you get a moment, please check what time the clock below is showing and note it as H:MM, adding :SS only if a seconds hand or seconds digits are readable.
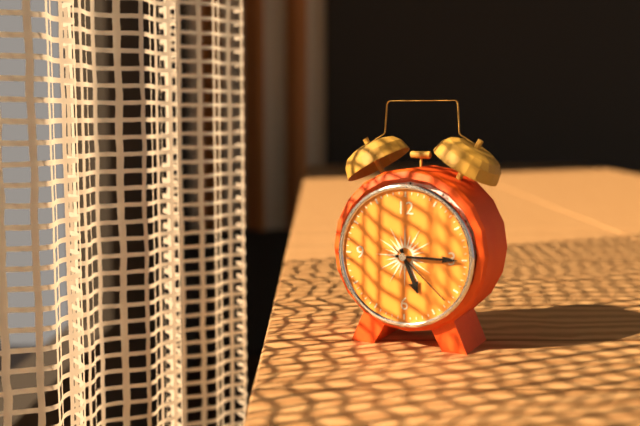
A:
5:15:22
